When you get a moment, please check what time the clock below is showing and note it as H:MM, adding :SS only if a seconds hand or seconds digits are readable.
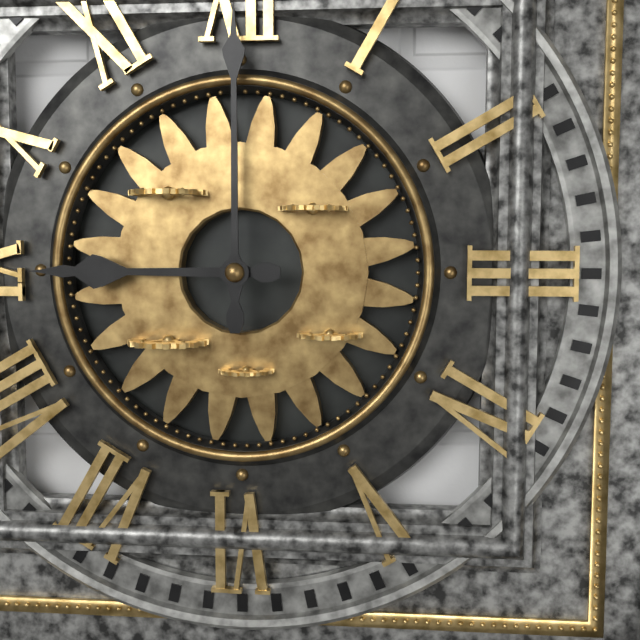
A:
9:00
